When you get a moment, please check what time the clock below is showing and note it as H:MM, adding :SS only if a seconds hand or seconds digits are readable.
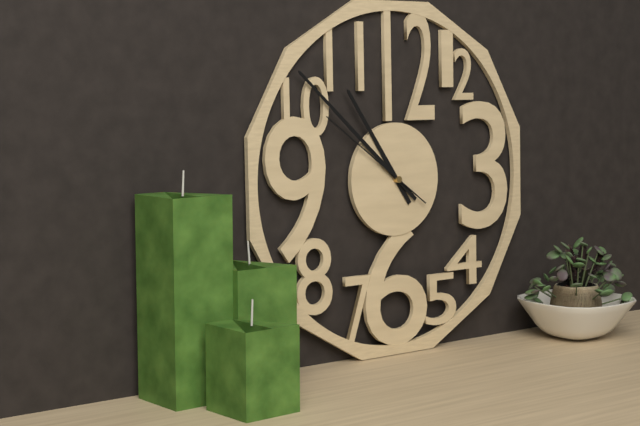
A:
10:52:51
